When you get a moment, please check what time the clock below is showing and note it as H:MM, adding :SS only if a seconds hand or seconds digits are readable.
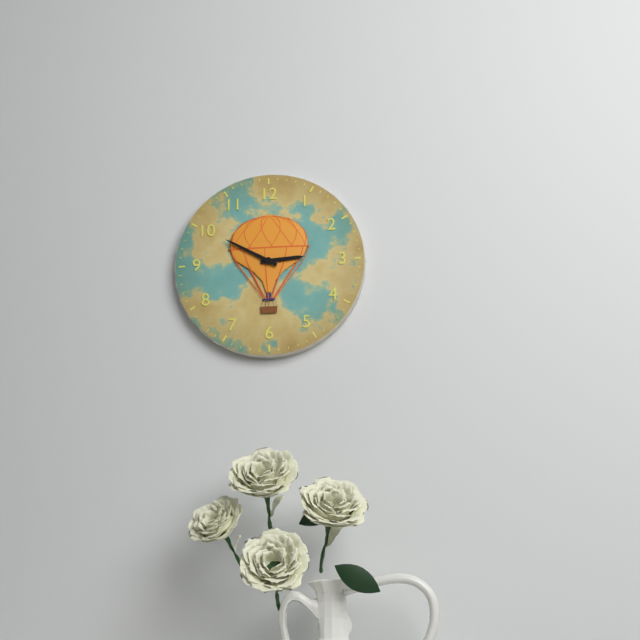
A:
2:50
